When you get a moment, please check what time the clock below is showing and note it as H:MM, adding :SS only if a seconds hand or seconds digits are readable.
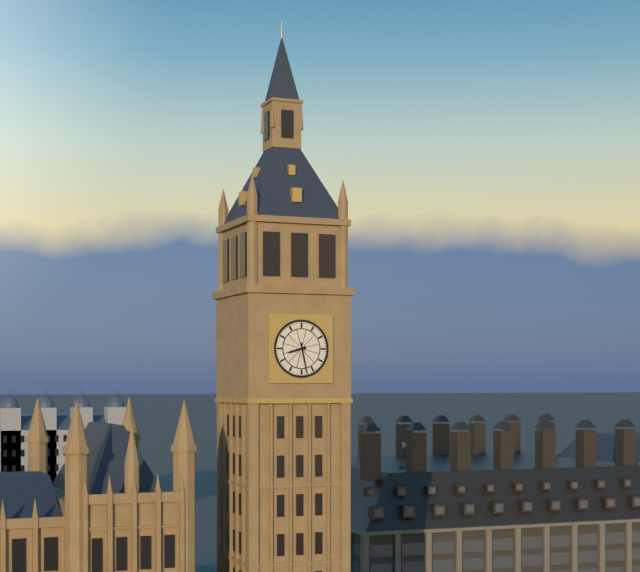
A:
8:28
